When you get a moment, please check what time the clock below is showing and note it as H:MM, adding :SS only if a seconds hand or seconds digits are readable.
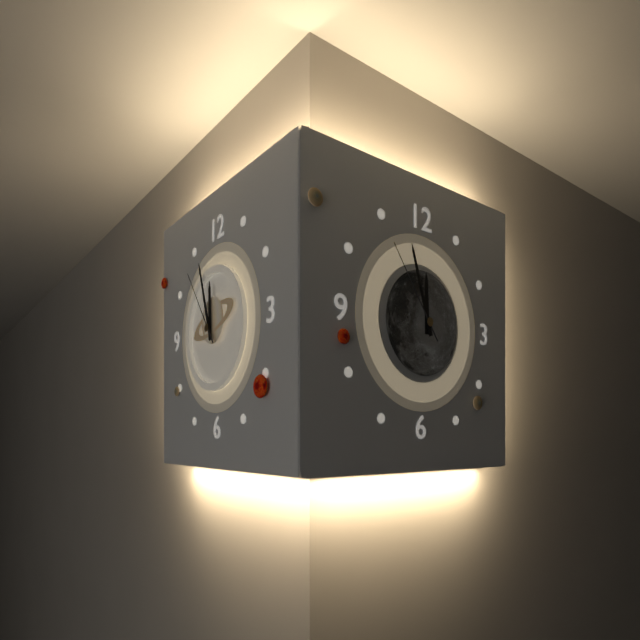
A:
11:57:54
